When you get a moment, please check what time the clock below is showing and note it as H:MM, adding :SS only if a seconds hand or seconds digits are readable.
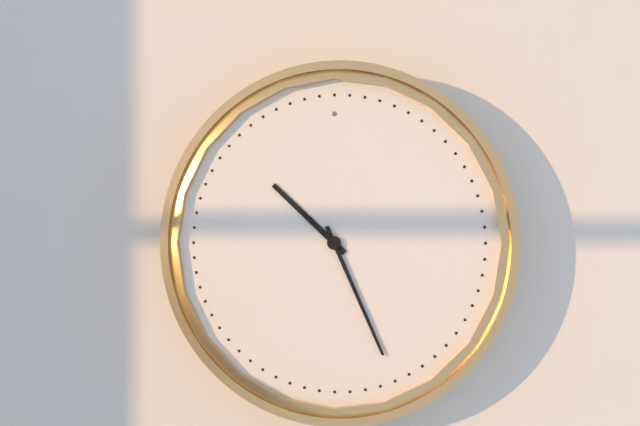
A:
10:26
